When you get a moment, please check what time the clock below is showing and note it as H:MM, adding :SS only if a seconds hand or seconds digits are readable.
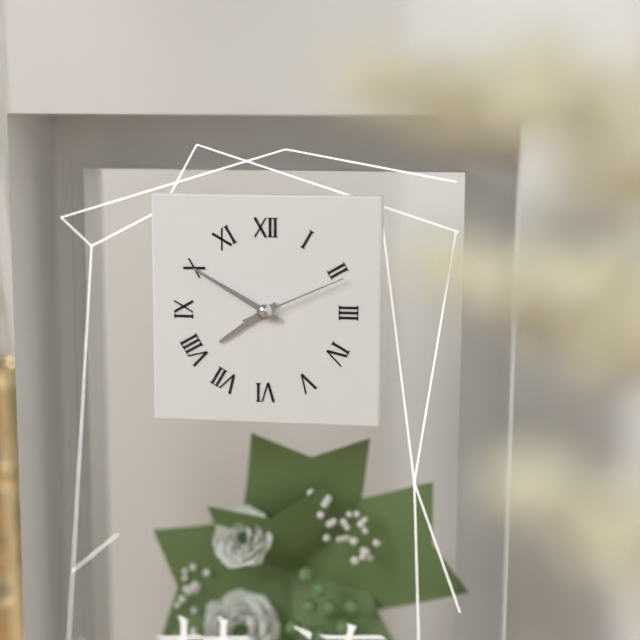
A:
7:50:11
